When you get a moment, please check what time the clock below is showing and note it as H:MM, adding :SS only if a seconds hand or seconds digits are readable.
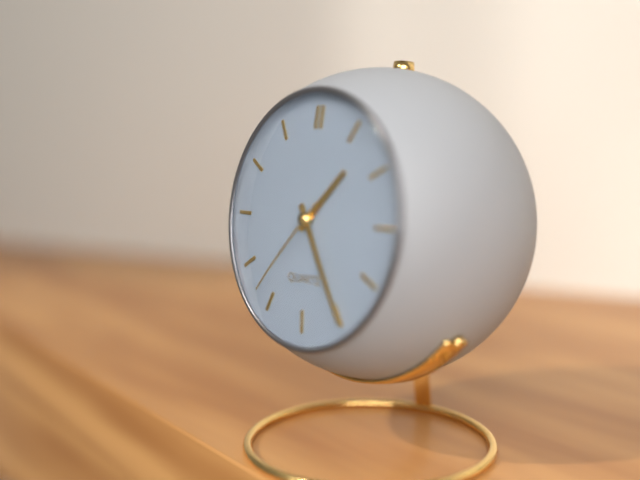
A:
1:25:37
